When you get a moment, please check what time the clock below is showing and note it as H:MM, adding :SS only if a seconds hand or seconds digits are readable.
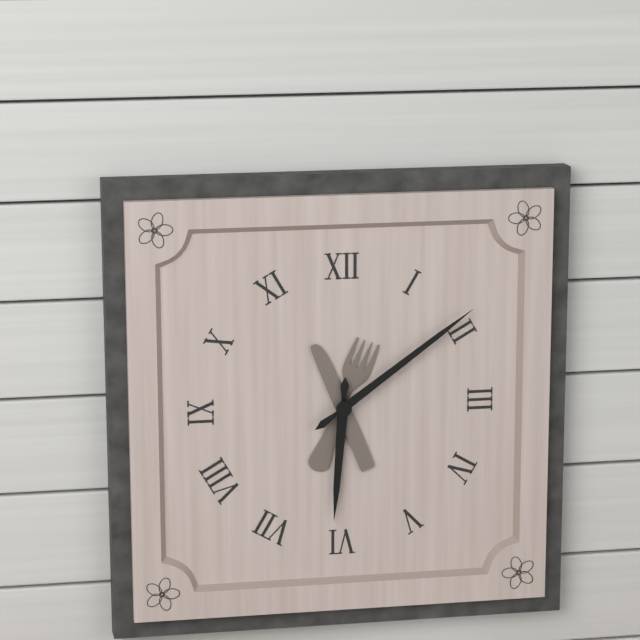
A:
6:09
